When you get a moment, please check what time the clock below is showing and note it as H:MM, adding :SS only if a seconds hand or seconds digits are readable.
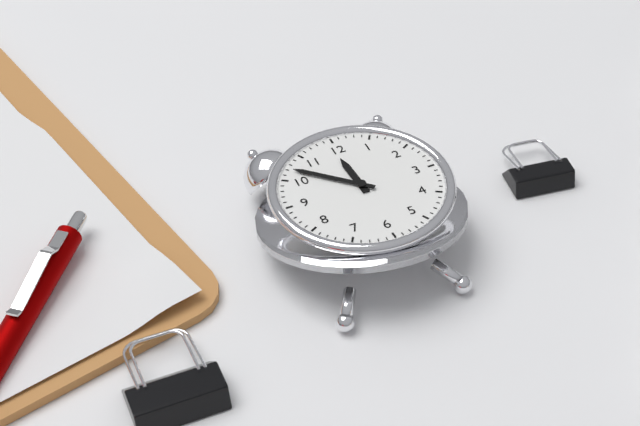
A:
11:52
